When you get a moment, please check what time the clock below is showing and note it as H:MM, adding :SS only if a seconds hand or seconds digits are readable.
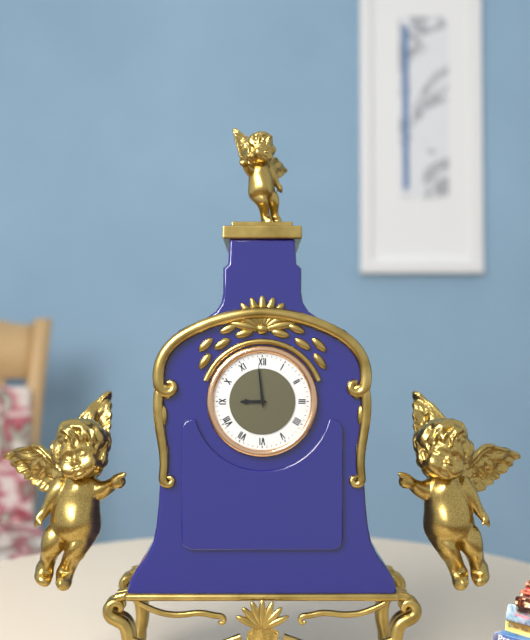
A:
8:59
